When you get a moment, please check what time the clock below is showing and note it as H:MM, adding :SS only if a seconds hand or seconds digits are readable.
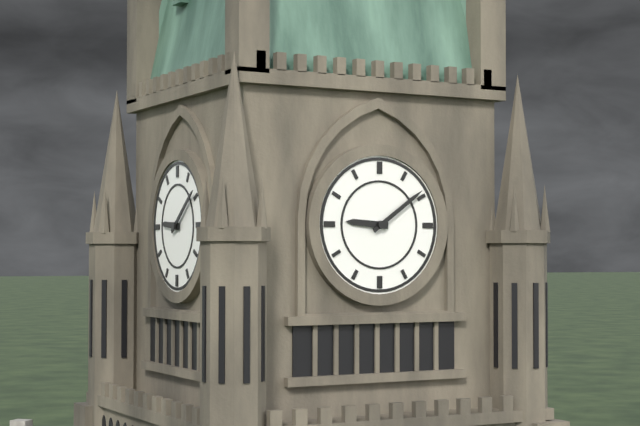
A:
9:09
